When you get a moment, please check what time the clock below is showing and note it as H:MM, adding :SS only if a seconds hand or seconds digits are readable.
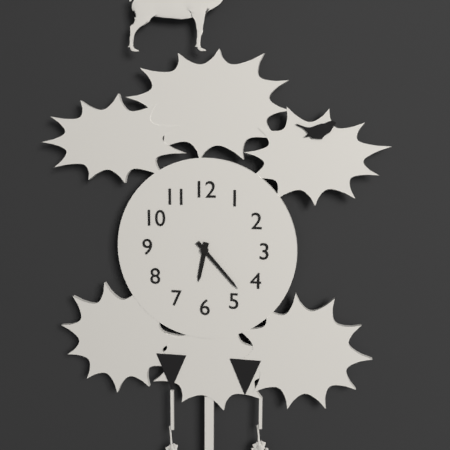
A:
6:23
